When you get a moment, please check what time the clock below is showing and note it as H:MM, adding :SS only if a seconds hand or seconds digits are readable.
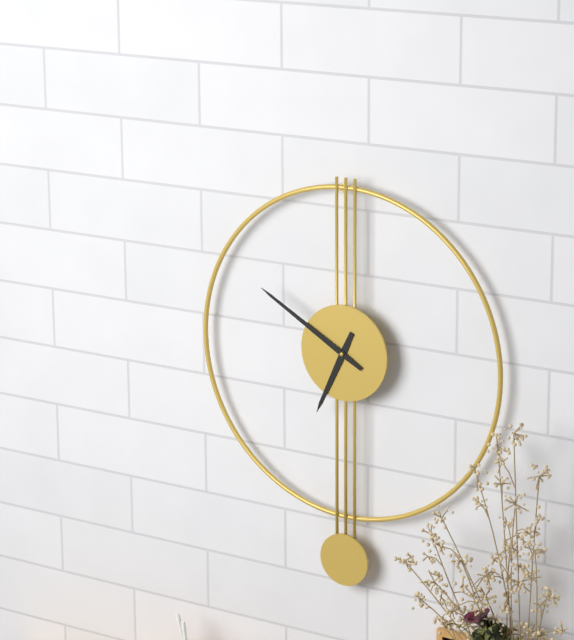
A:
6:50
